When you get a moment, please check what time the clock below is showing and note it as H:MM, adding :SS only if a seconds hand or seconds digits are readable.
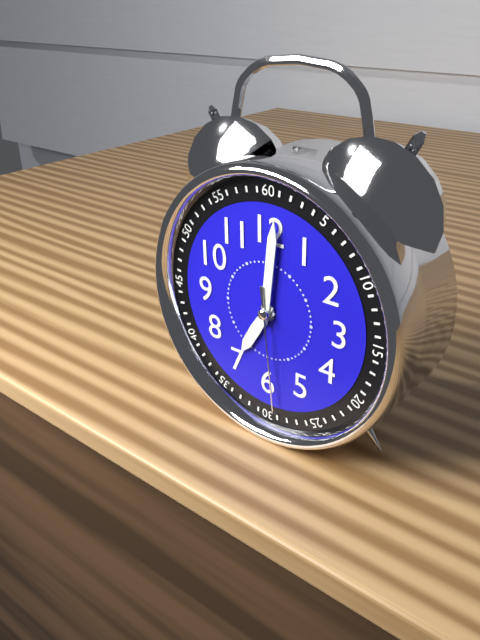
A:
7:01:29
